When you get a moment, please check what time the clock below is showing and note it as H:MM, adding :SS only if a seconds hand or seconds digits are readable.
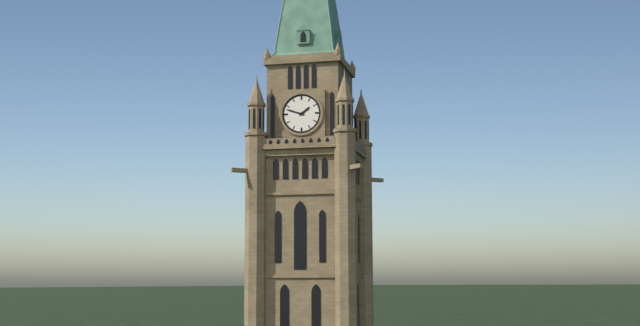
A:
1:48
